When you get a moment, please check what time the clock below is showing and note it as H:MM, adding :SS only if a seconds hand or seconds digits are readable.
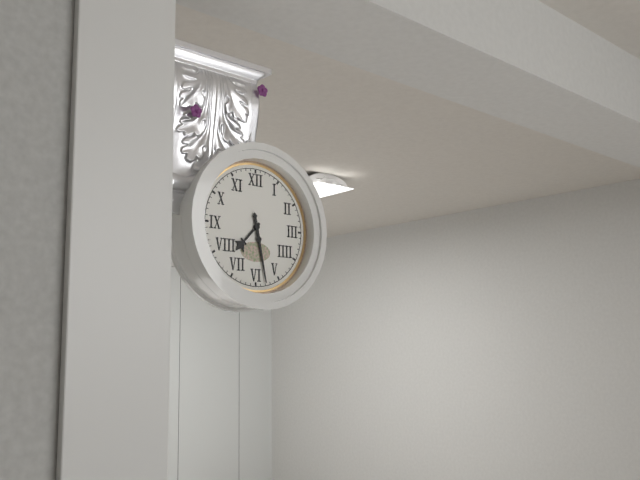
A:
7:28
